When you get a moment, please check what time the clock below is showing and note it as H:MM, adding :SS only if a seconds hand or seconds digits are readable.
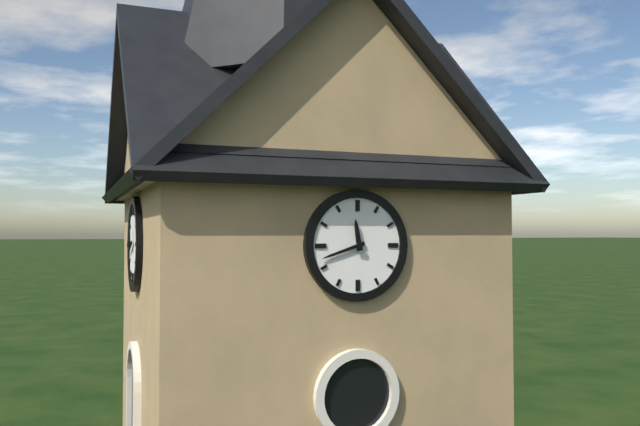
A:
11:42
